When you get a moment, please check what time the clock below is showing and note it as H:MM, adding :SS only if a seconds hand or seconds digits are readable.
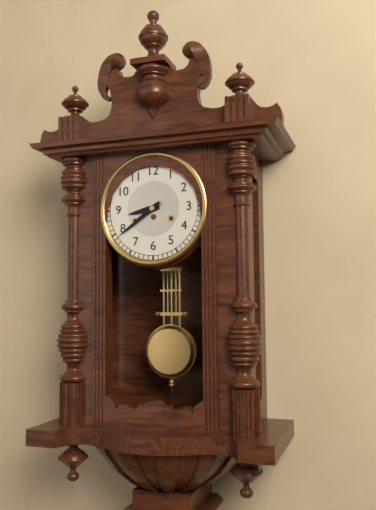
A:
8:39
